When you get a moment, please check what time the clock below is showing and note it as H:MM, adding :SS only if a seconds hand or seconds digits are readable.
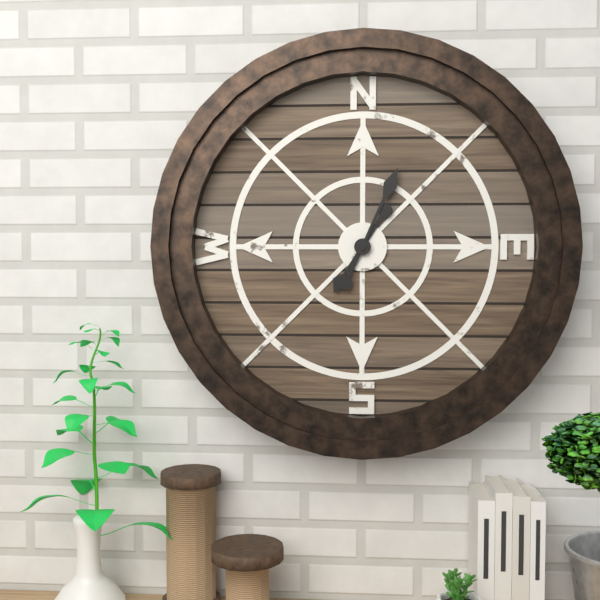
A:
7:04
